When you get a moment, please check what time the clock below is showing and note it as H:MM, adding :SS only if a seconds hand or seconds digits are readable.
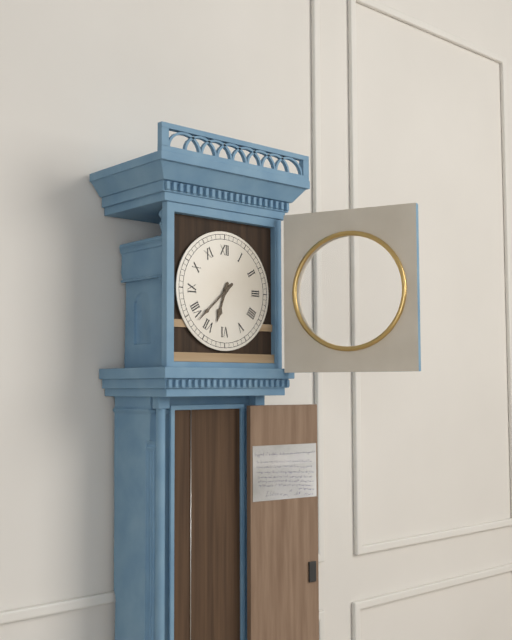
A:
6:38
